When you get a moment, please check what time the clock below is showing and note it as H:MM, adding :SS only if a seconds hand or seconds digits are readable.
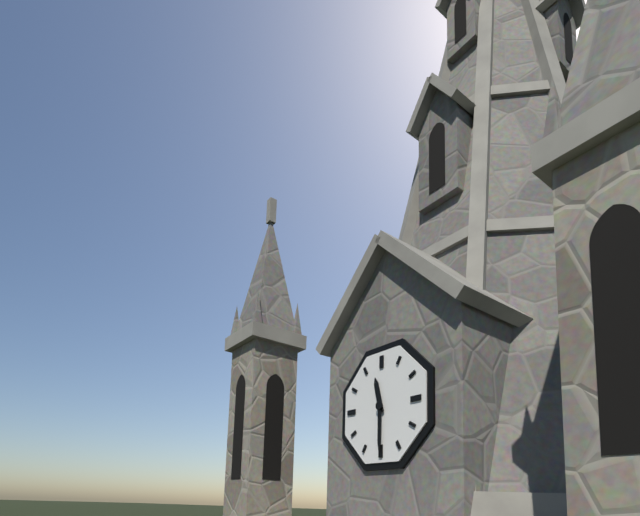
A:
11:30
